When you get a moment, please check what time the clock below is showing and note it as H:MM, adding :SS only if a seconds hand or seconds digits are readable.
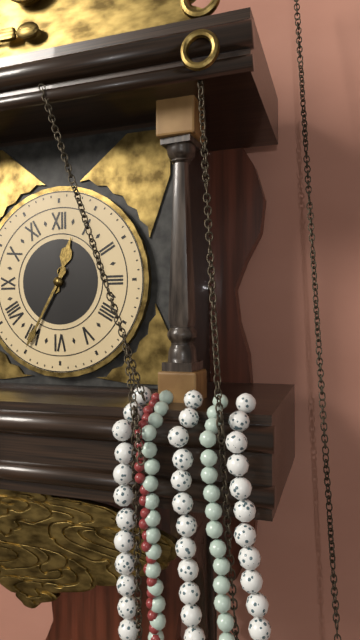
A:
12:35
